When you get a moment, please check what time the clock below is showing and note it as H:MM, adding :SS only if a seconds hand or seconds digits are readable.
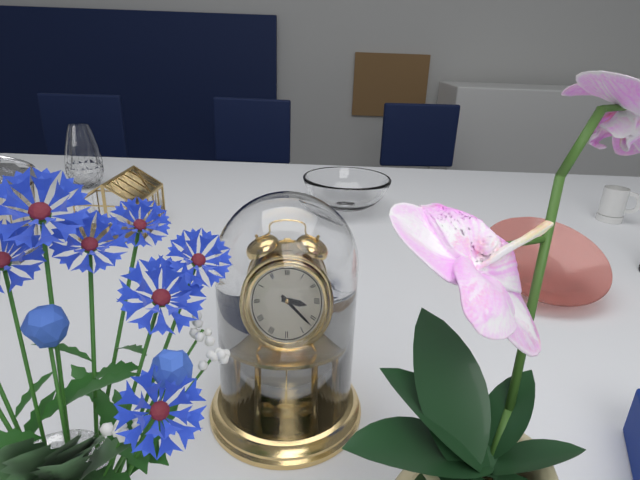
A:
3:22
